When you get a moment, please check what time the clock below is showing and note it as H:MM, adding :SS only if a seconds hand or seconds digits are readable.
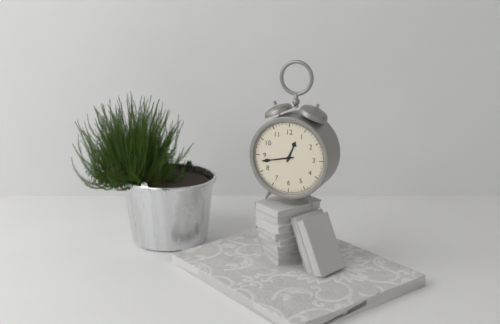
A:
12:43
